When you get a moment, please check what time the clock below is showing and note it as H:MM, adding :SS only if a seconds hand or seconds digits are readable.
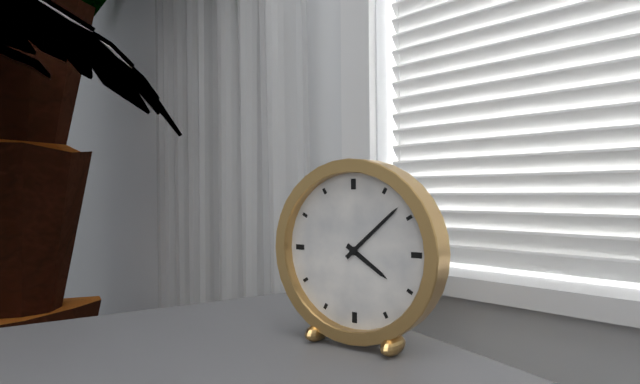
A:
4:08
